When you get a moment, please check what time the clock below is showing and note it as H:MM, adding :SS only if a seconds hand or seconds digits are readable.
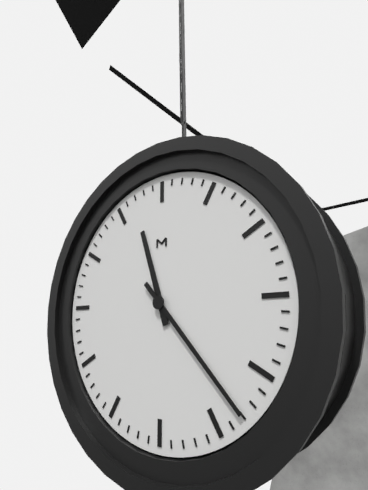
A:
11:23
